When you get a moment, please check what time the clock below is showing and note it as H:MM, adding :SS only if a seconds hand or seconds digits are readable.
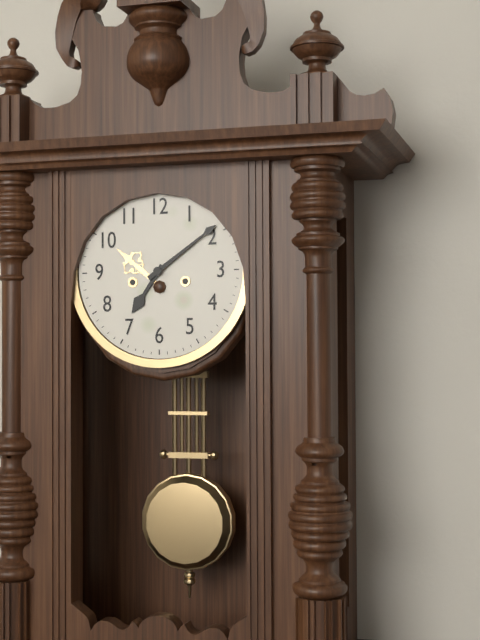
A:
7:09
